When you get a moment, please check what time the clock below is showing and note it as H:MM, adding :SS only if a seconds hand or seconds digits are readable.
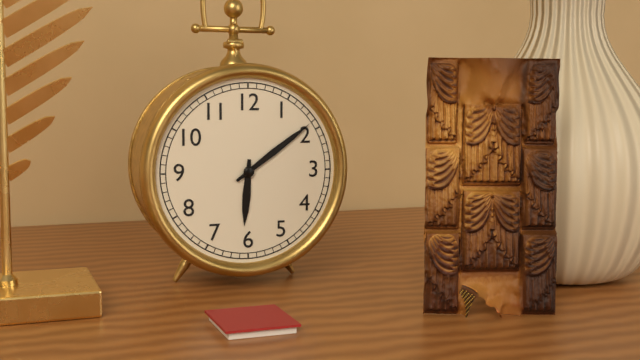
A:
6:09
